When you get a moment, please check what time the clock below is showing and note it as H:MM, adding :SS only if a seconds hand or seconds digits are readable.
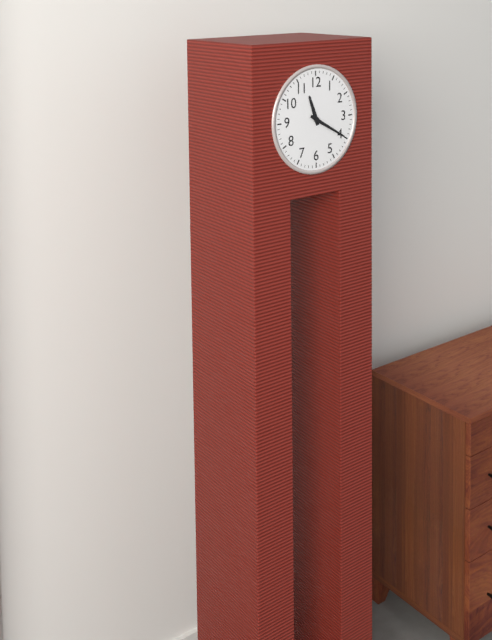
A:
11:20
